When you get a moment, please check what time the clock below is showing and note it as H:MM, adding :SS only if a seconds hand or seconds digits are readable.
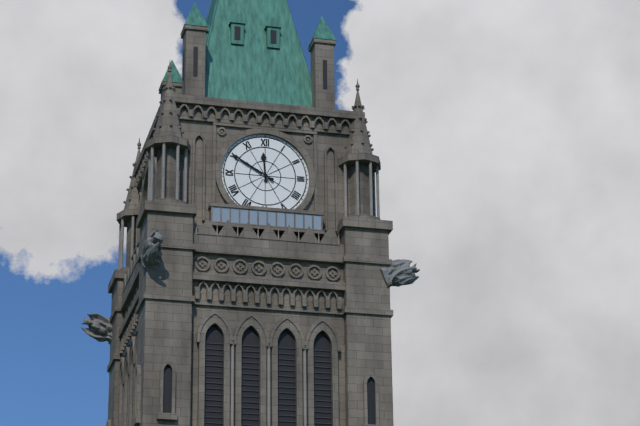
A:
11:50
